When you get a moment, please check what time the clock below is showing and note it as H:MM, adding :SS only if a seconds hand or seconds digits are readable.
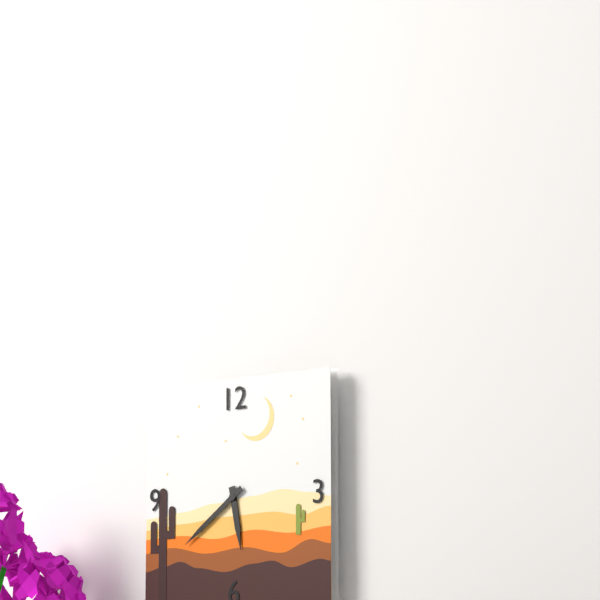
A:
5:39
